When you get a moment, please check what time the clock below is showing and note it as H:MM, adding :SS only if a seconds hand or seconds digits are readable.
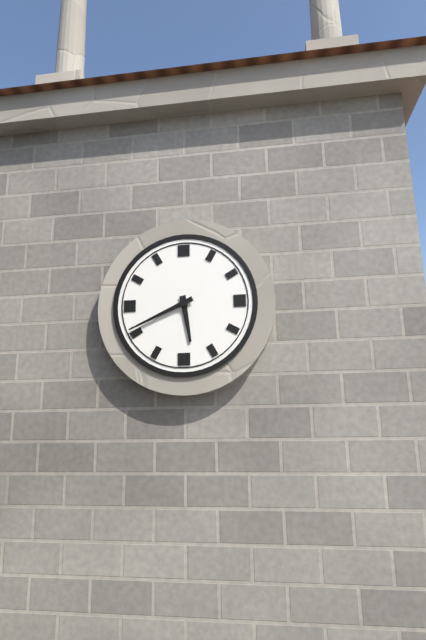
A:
5:41
